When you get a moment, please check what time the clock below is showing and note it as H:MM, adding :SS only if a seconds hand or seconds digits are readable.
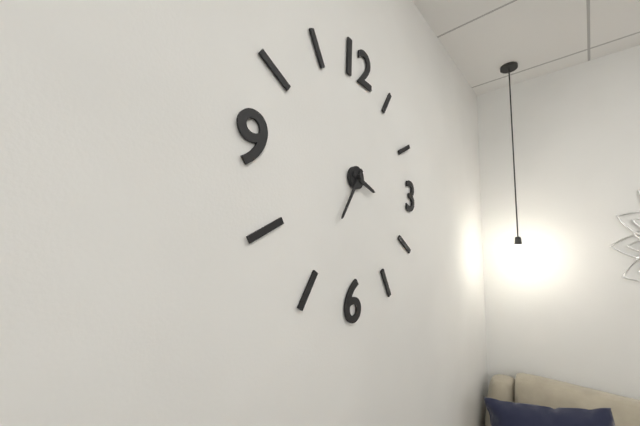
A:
3:35
